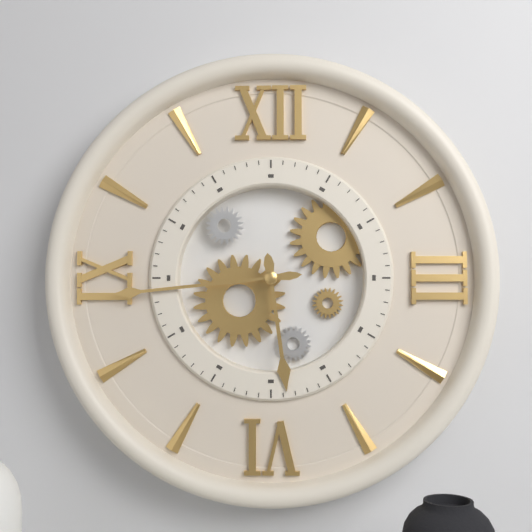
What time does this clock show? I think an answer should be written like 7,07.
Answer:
5,44
